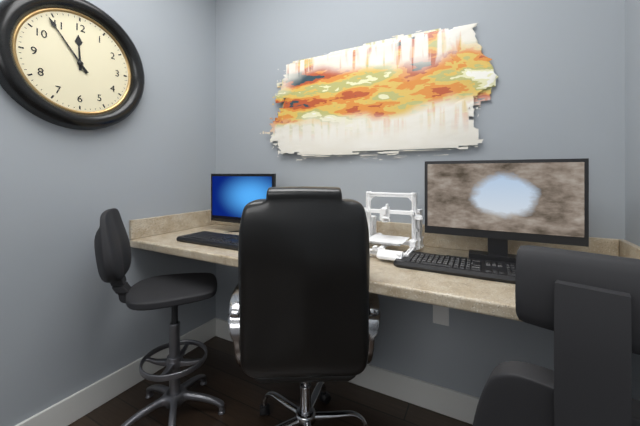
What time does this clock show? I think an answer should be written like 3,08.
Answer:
11,54
